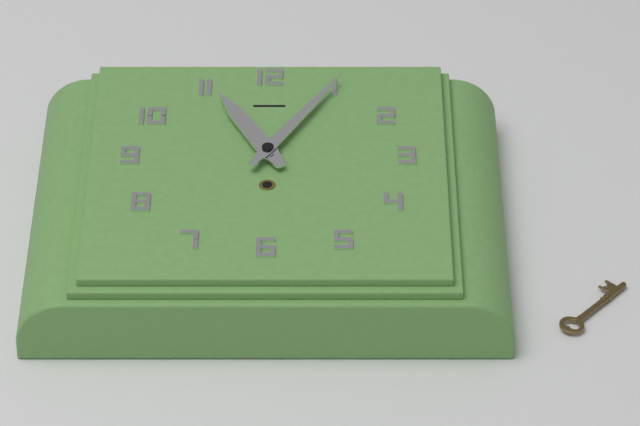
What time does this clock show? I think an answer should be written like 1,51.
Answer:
11,05
